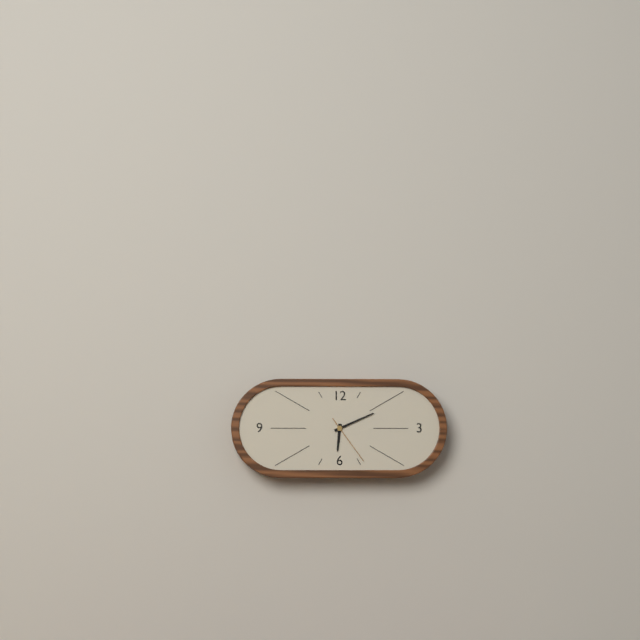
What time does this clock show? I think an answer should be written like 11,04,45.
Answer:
6,11,24
